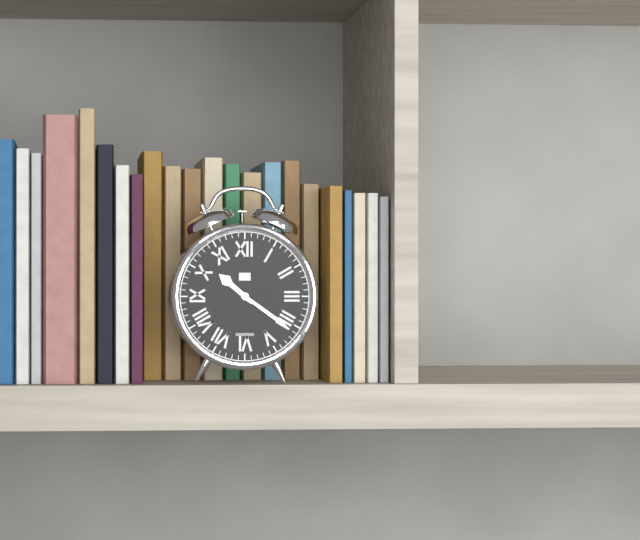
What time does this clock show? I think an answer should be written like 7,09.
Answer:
10,21
